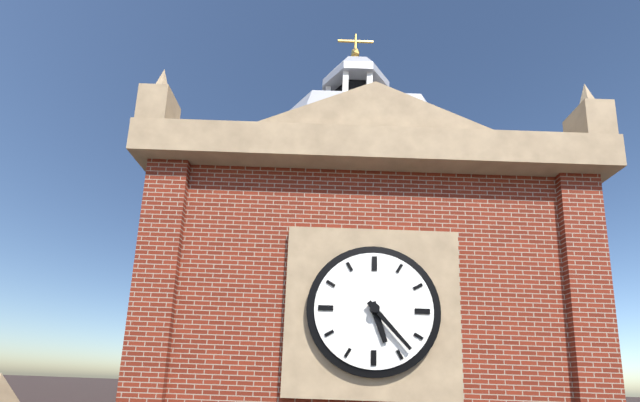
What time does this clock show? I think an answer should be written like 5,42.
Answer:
5,23
